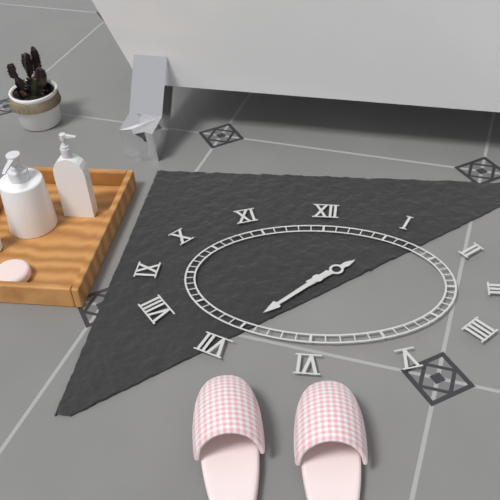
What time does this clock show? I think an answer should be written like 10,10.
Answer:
1,37
